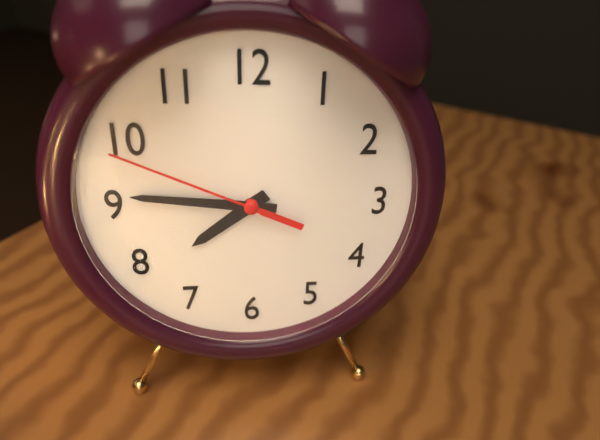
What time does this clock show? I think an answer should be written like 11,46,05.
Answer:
7,46,49
